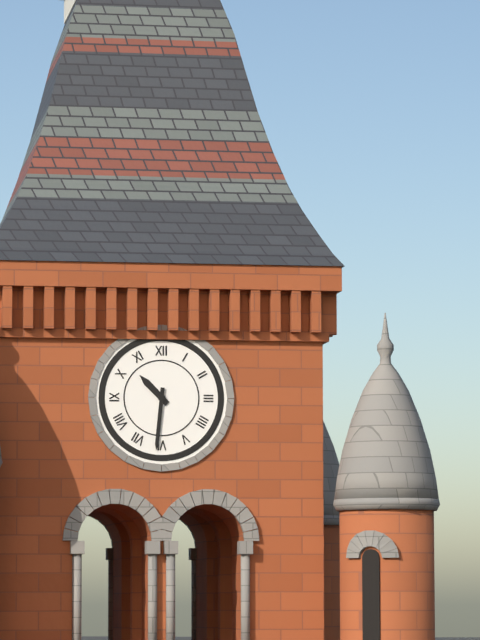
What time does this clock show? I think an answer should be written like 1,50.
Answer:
10,31
